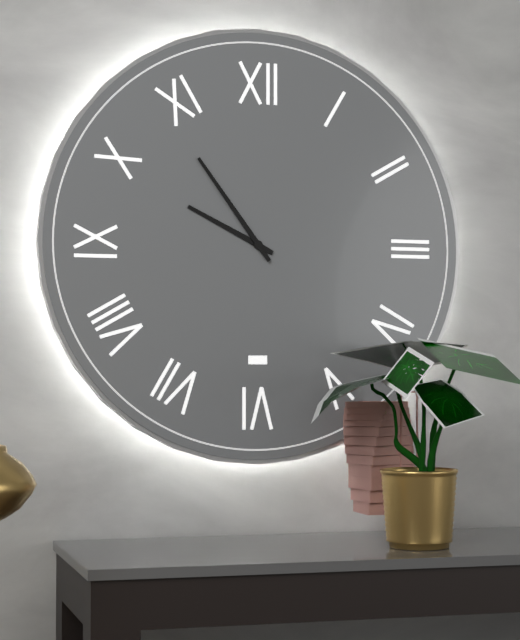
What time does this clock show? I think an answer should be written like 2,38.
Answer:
9,54
